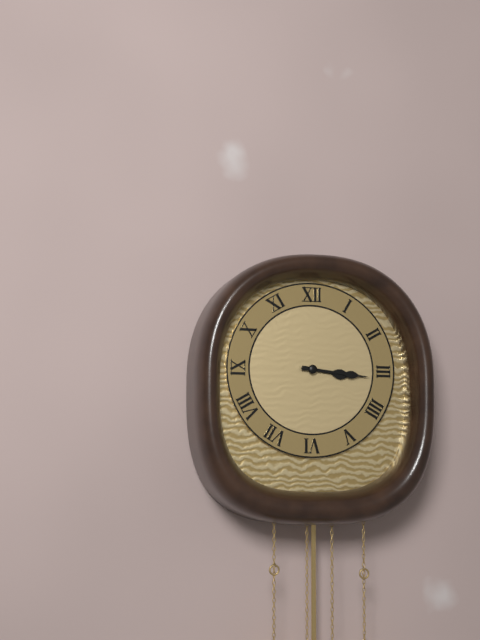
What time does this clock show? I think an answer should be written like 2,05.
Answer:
3,16
